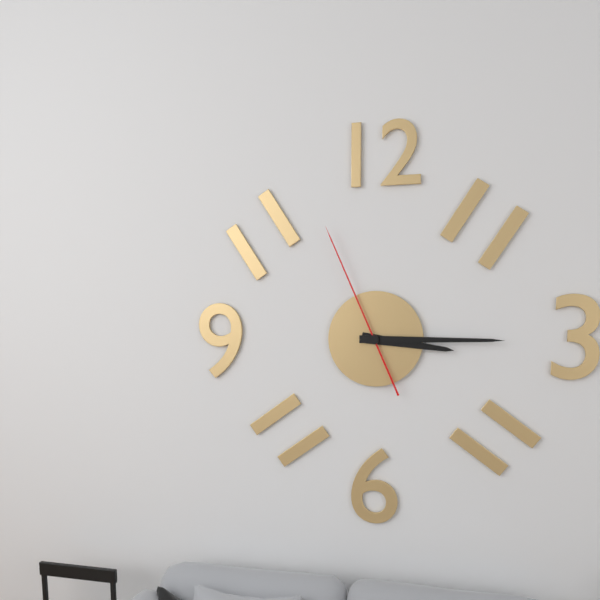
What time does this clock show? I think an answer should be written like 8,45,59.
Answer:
3,15,56
